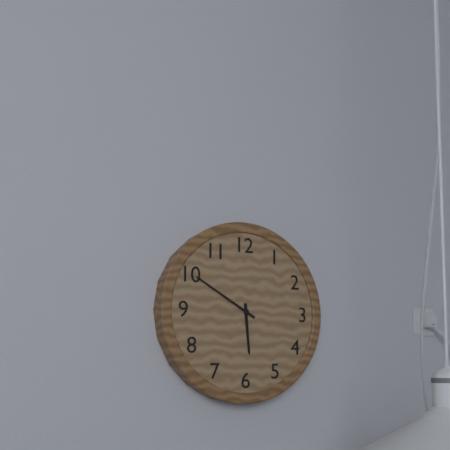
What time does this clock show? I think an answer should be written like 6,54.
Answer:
5,50
